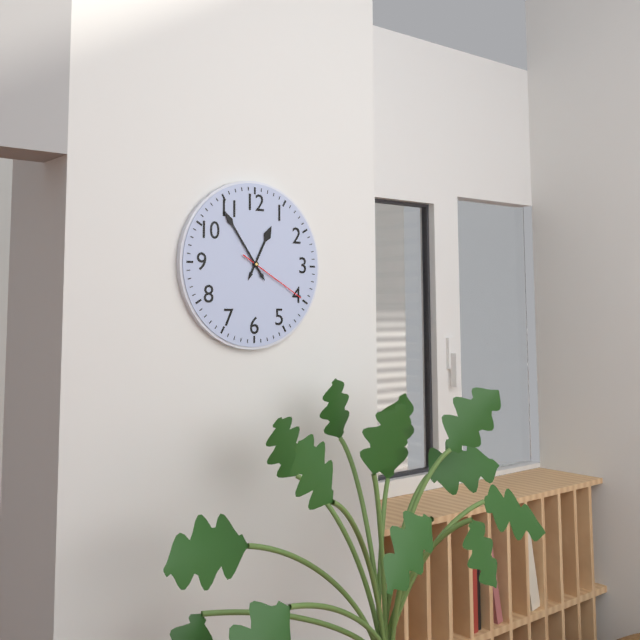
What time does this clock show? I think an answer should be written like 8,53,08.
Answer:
12,54,20
